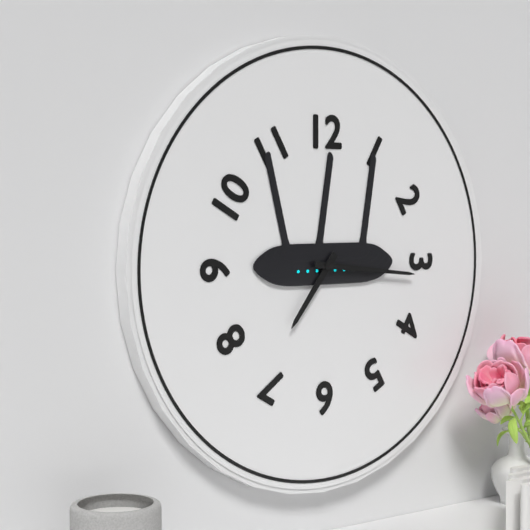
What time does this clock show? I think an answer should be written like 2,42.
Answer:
7,16
